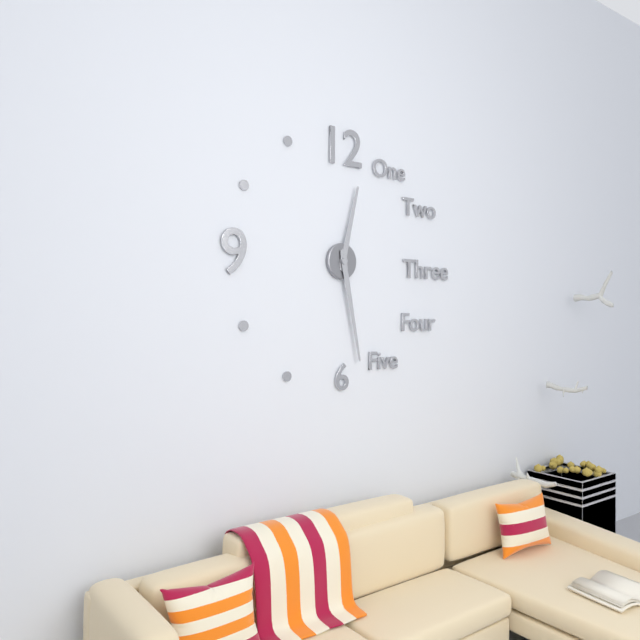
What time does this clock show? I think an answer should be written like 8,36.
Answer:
12,28
